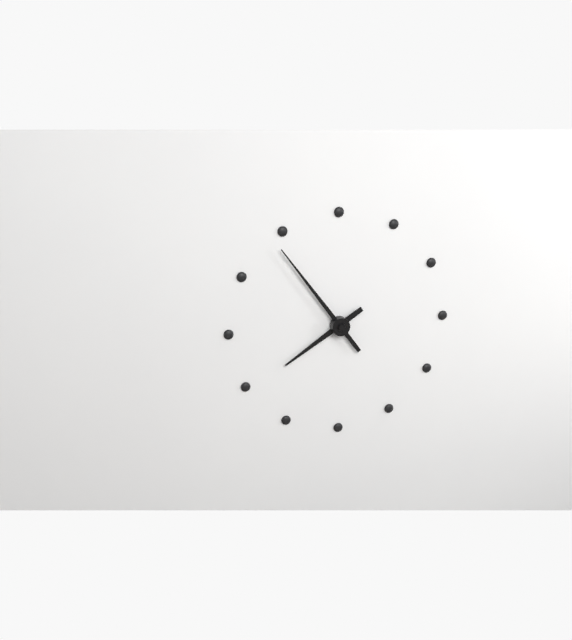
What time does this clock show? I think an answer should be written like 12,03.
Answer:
7,54
